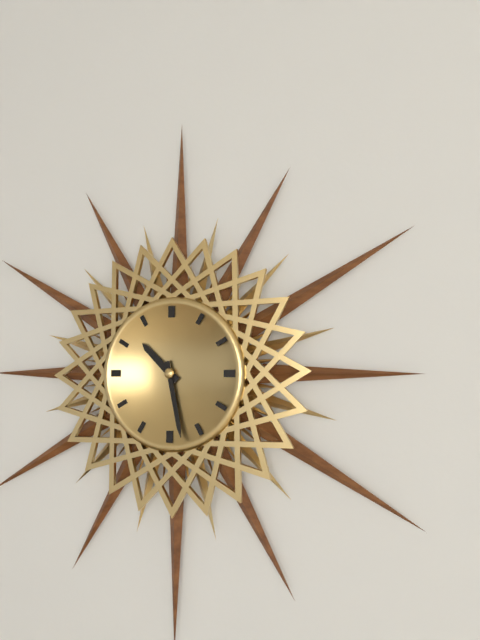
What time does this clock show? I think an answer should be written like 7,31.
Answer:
10,28
